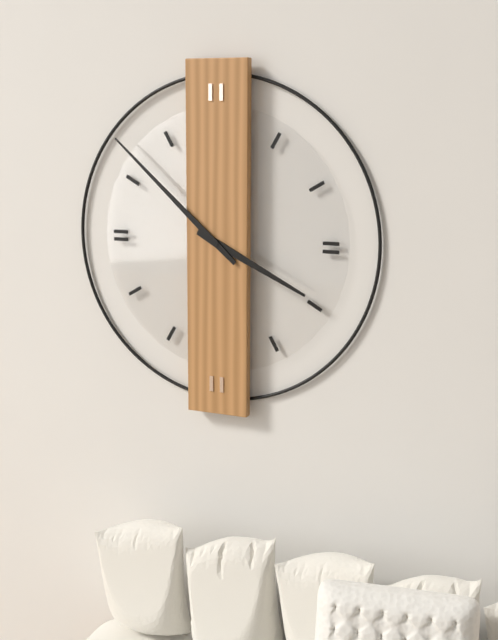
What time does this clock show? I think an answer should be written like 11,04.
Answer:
3,52
